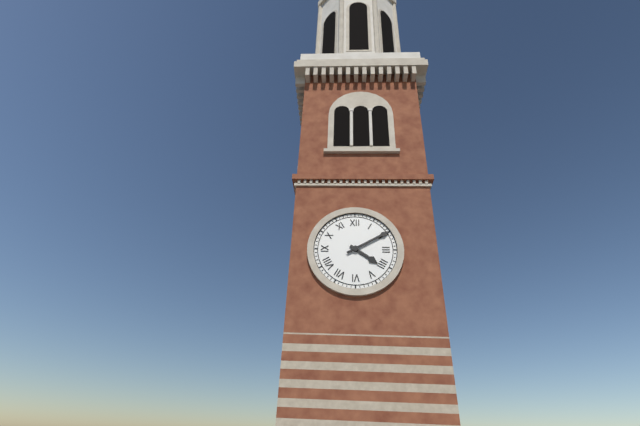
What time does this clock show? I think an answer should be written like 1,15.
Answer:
4,10
